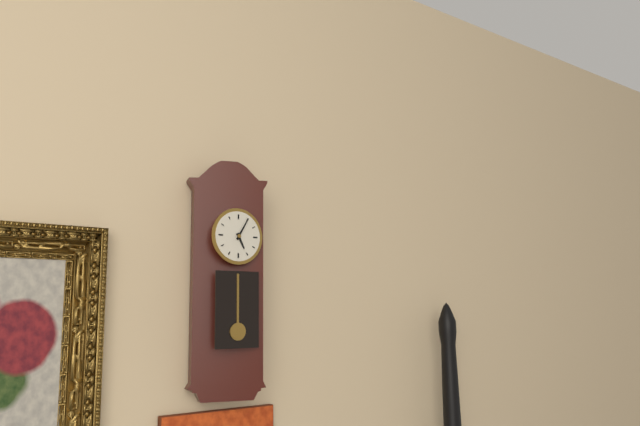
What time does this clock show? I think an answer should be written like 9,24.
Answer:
5,05
